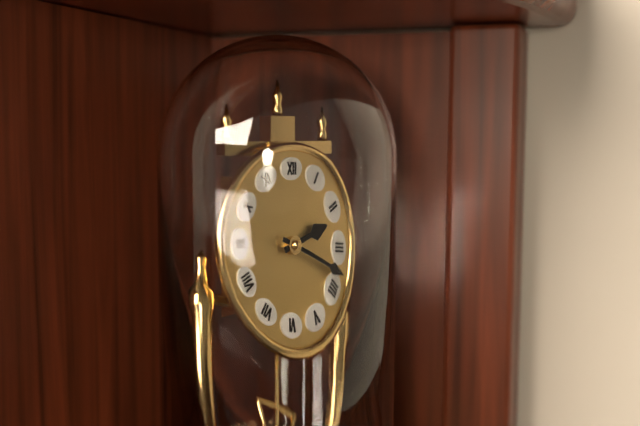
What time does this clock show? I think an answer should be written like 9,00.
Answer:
2,18
